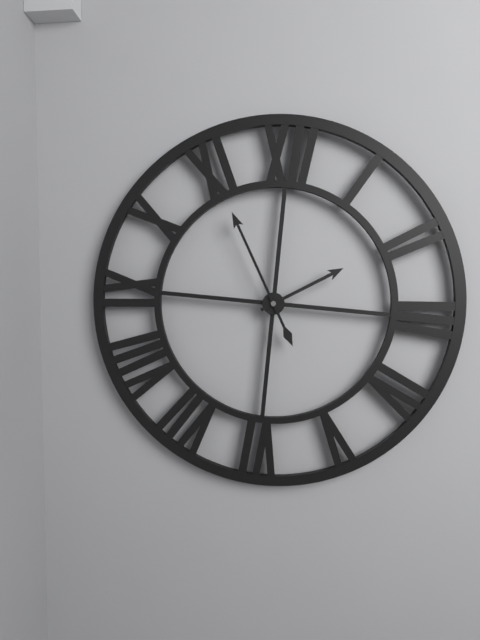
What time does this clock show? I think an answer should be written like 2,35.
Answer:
1,55
